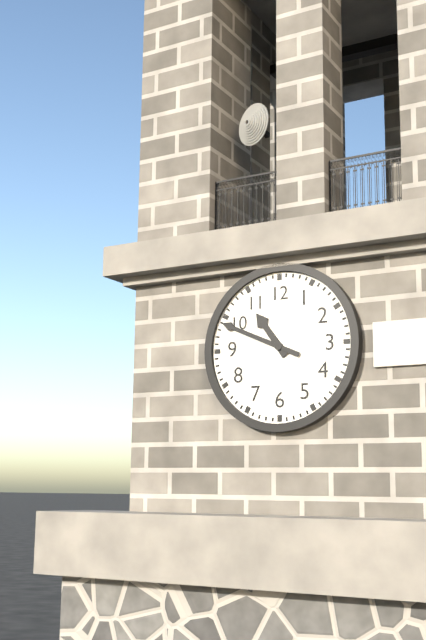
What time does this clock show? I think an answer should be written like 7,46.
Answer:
10,49
